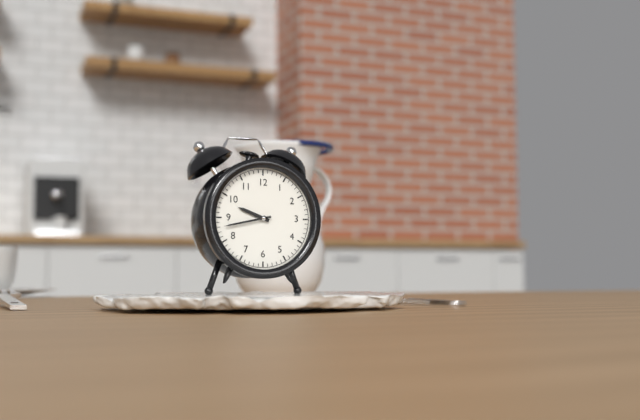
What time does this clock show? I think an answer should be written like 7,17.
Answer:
9,43
